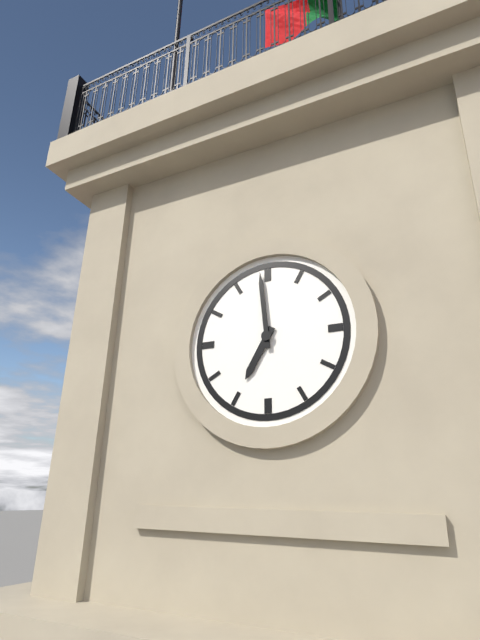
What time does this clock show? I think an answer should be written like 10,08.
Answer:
6,59
